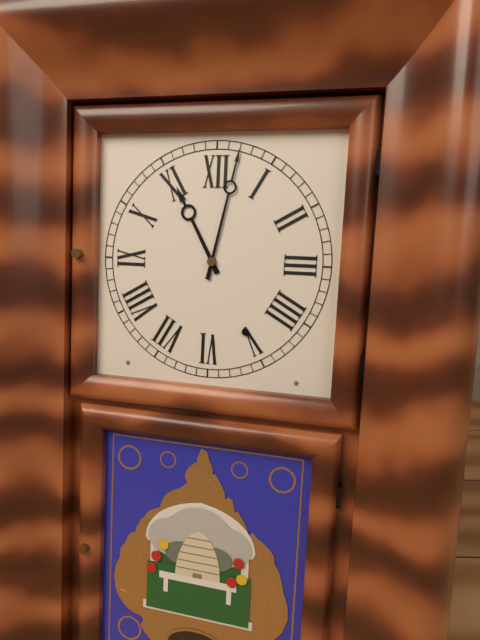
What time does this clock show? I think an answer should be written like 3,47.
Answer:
11,02
